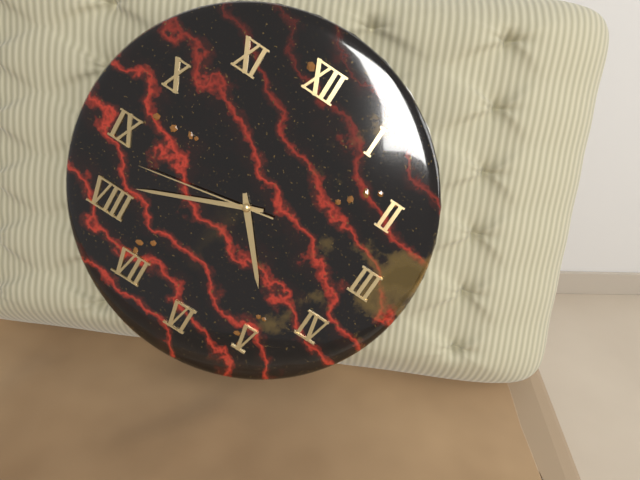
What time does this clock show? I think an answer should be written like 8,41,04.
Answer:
4,41,43
